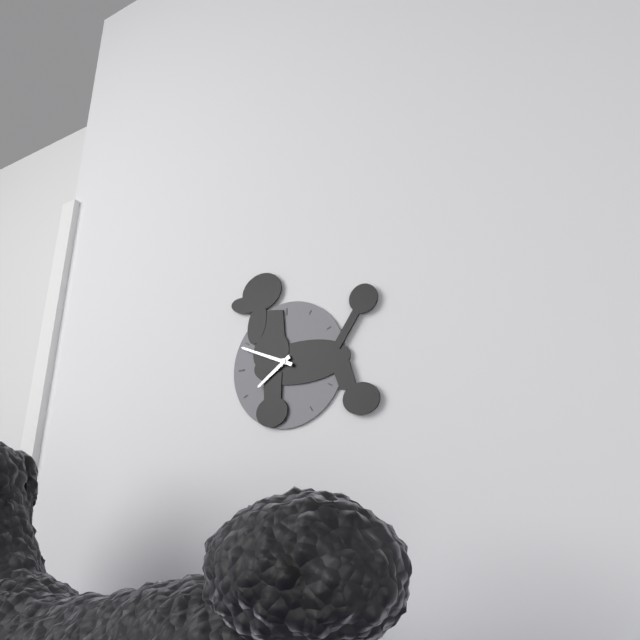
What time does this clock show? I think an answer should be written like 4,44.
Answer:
7,49
